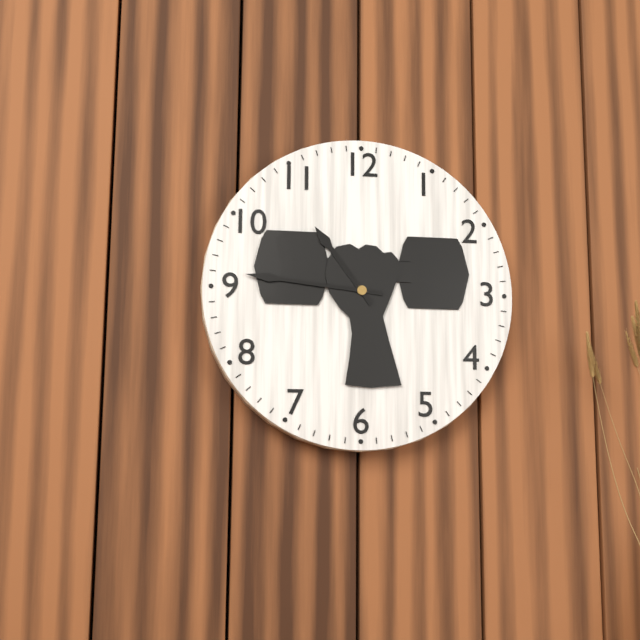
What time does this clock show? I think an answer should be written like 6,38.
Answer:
10,46
